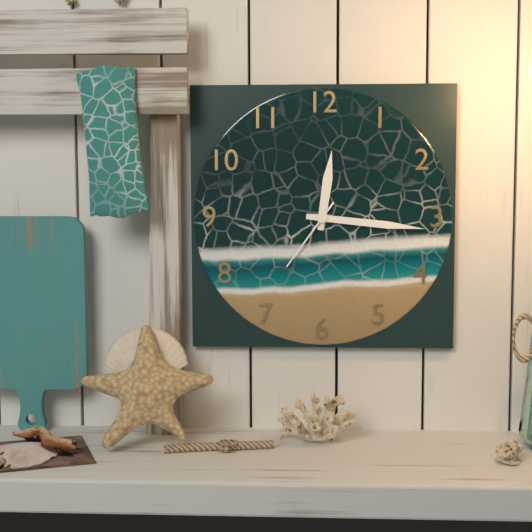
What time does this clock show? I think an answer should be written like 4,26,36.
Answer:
12,16,36
